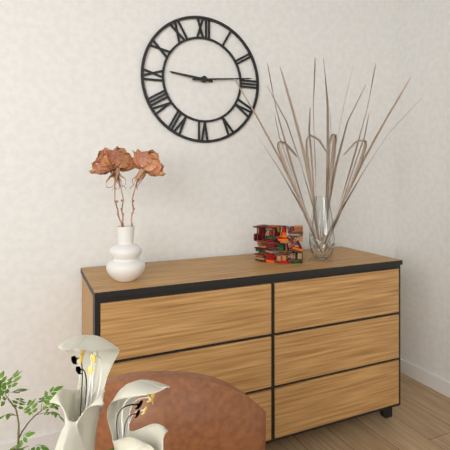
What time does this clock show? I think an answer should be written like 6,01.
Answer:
9,14
